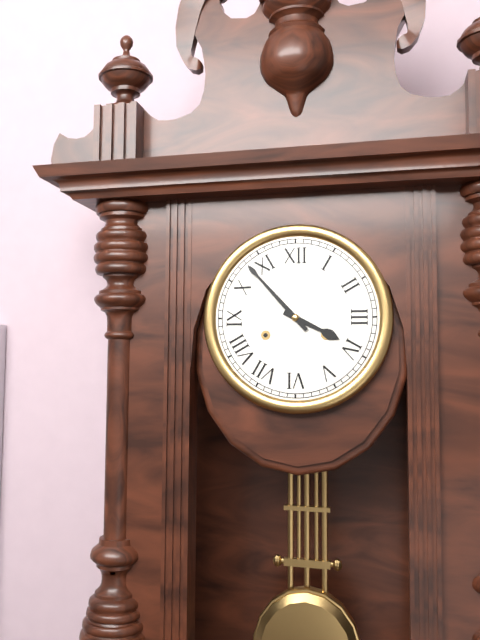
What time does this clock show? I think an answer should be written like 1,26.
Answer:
3,53
